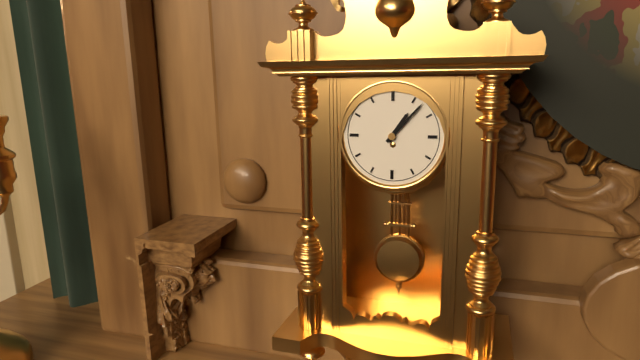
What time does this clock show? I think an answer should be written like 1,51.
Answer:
1,07
